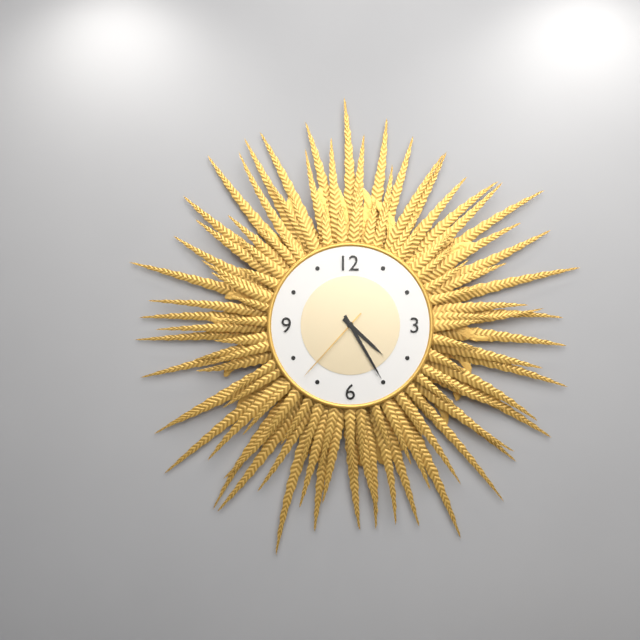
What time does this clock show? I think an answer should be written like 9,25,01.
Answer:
4,25,37
